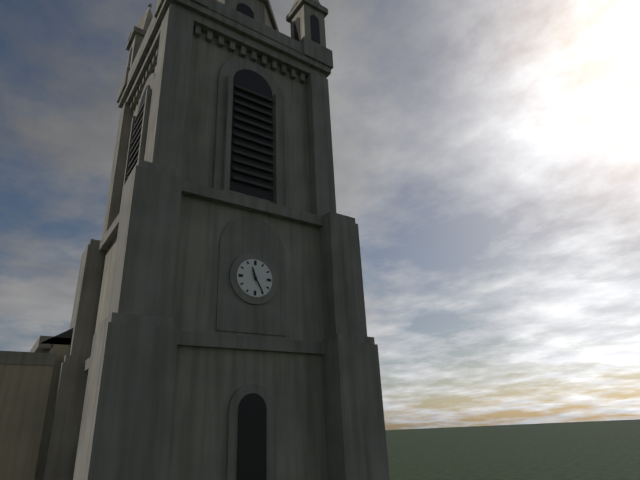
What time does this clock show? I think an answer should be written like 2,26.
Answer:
11,25
